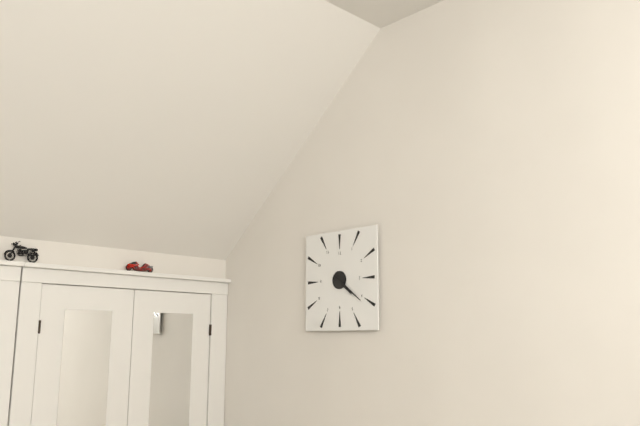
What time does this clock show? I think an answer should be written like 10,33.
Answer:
4,21
